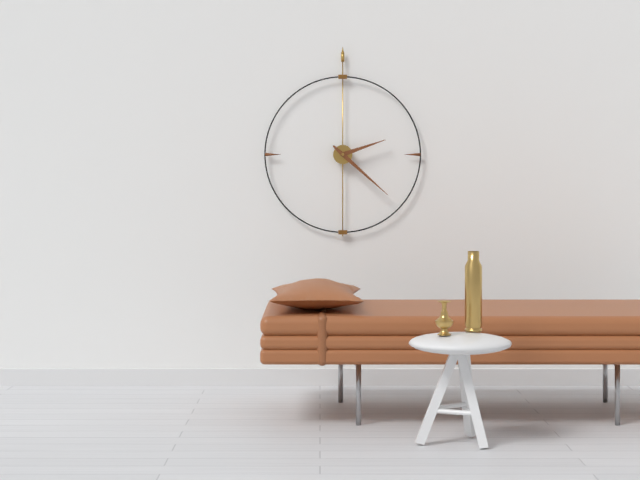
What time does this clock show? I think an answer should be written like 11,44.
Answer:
2,22
